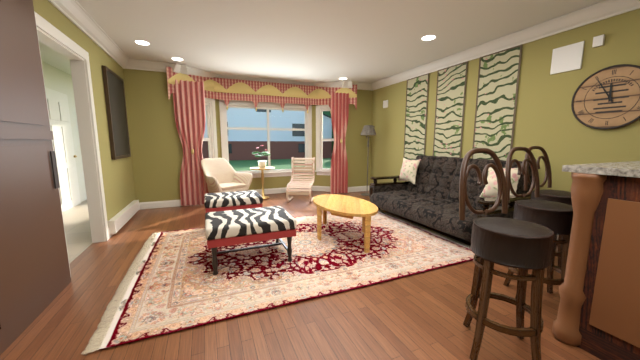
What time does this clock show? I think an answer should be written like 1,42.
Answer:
11,55
